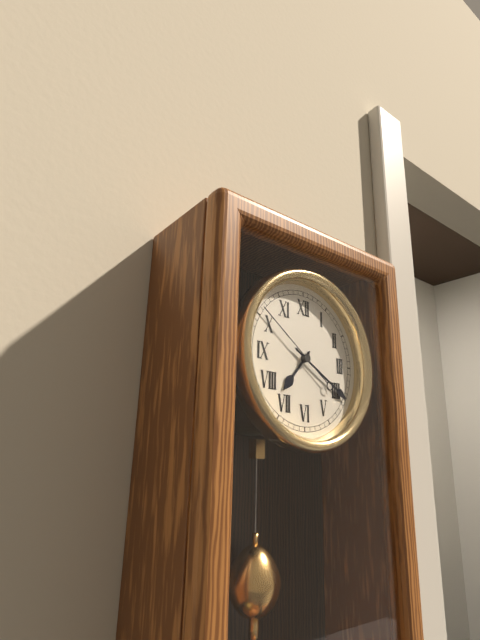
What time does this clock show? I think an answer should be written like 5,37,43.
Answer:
7,20,51
